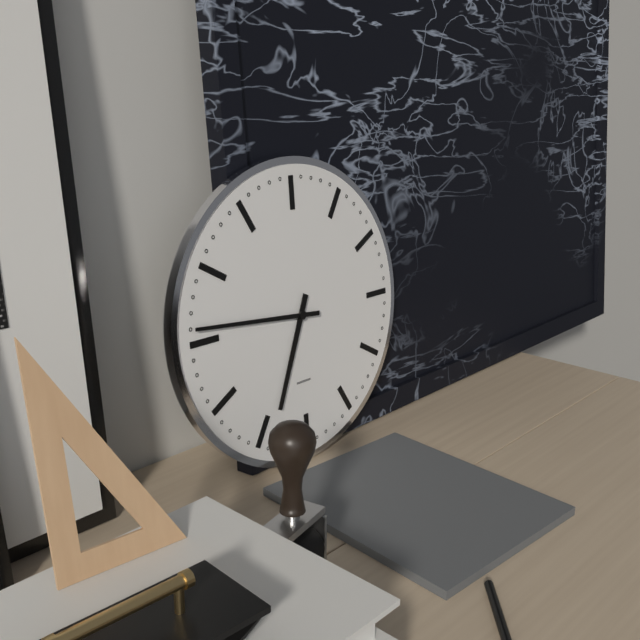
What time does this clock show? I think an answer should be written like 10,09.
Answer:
6,46
